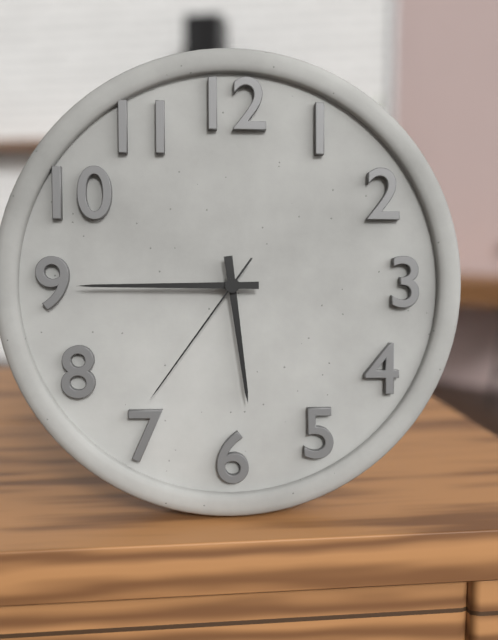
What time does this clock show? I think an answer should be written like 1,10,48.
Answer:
5,45,36
